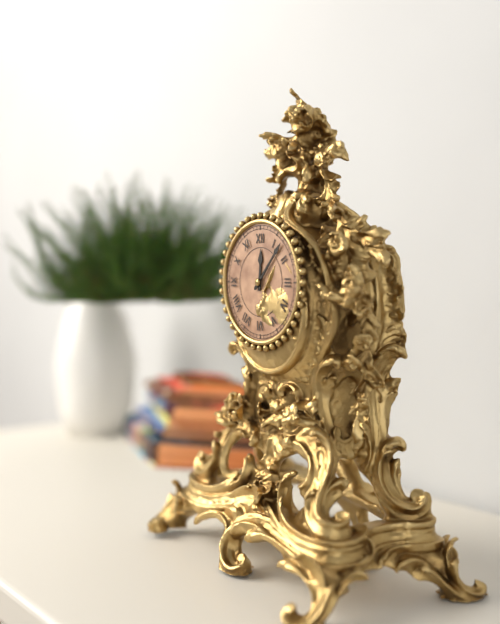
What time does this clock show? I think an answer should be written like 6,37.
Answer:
12,07
